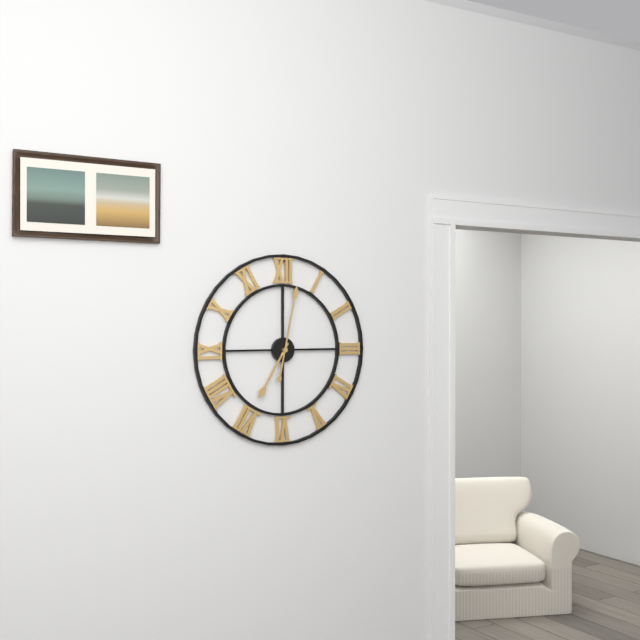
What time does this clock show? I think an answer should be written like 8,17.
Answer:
7,02
